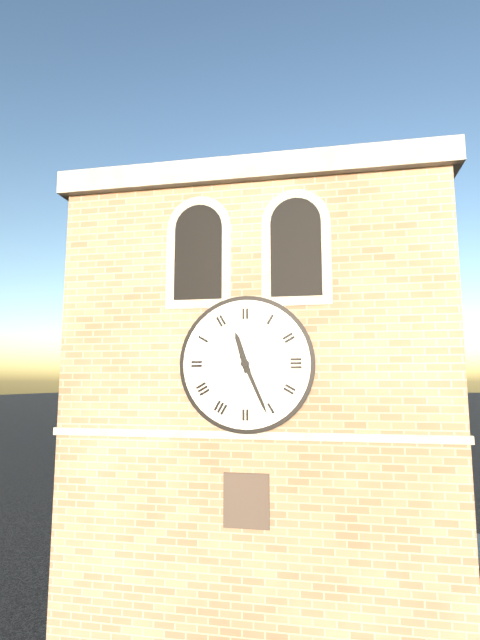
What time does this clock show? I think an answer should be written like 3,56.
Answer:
11,26
